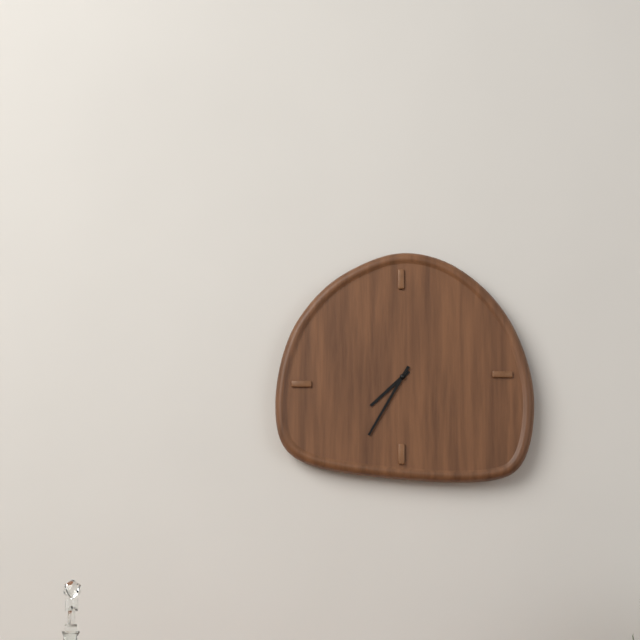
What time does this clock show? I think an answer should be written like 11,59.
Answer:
7,35
